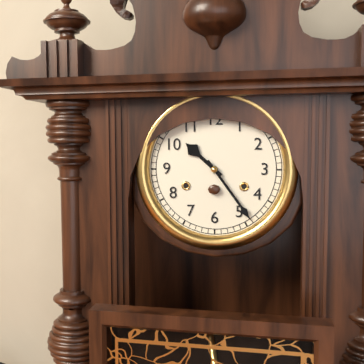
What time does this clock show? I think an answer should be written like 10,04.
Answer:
10,24
